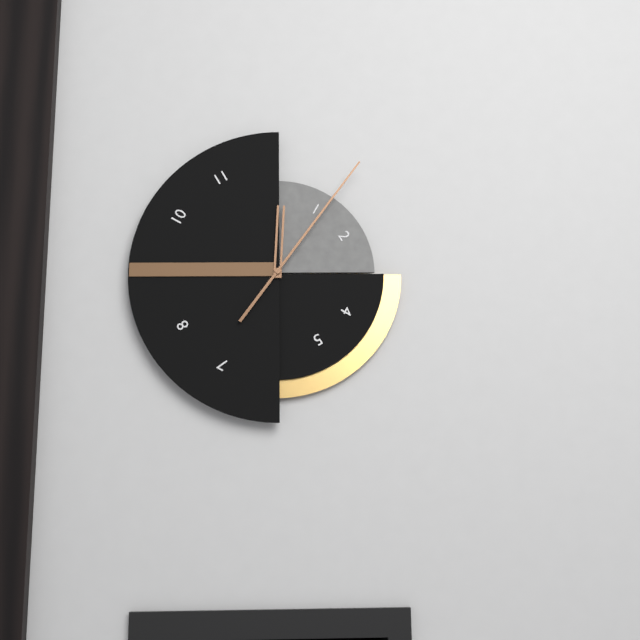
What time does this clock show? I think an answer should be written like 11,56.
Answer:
12,06
